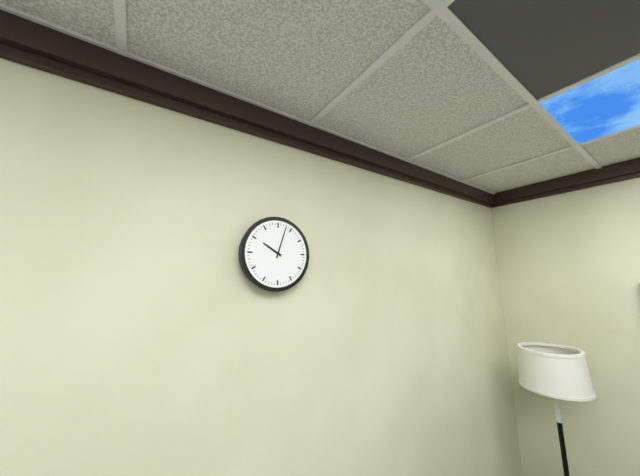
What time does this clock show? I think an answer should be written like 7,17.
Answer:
10,03
